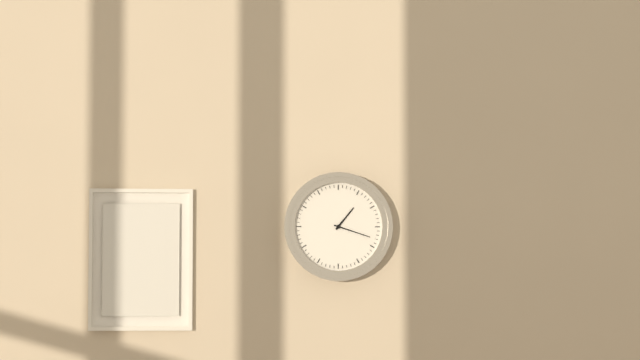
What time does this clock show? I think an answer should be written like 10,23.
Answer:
1,18
